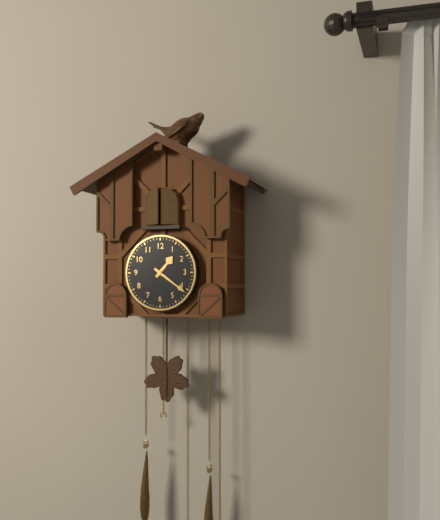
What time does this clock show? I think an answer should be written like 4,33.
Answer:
1,21
